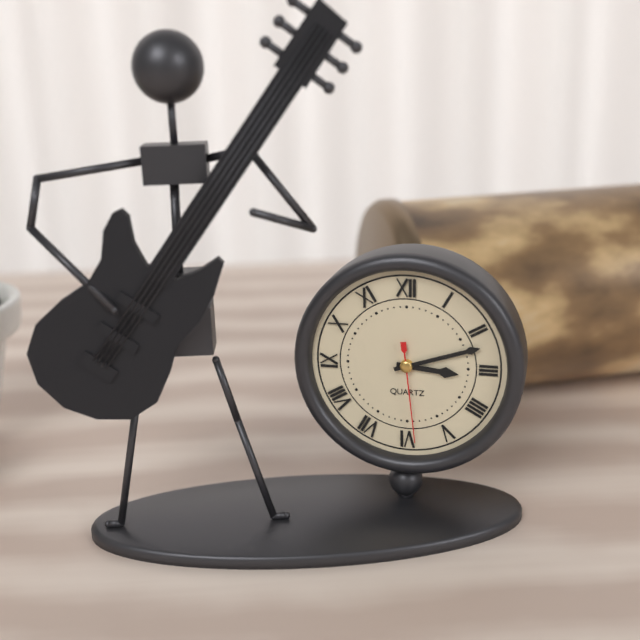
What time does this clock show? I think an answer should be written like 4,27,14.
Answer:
3,12,29
